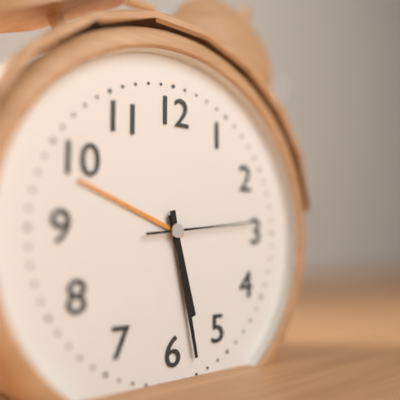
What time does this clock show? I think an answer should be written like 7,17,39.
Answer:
5,28,14
